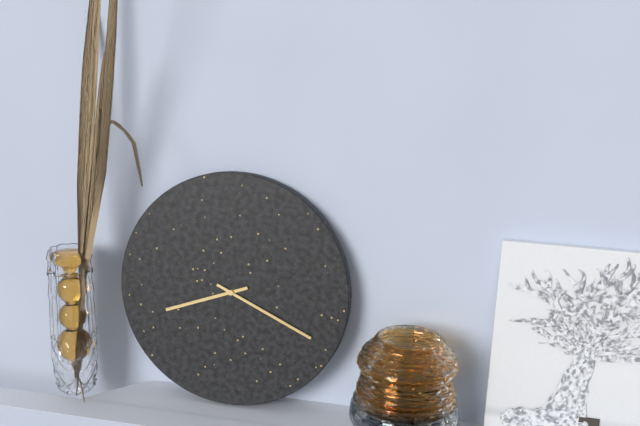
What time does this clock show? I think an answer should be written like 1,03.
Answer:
8,19
